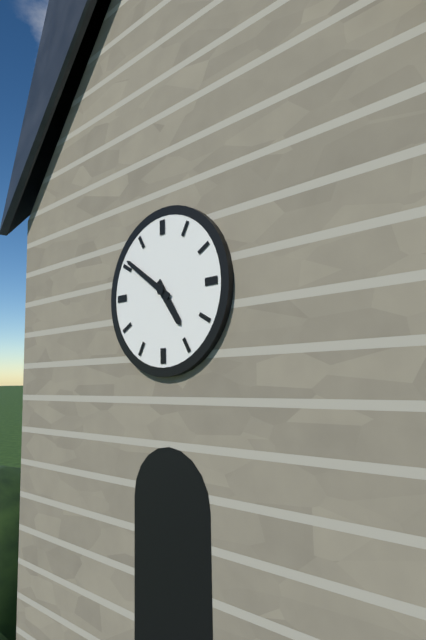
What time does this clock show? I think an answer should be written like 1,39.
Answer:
4,51
